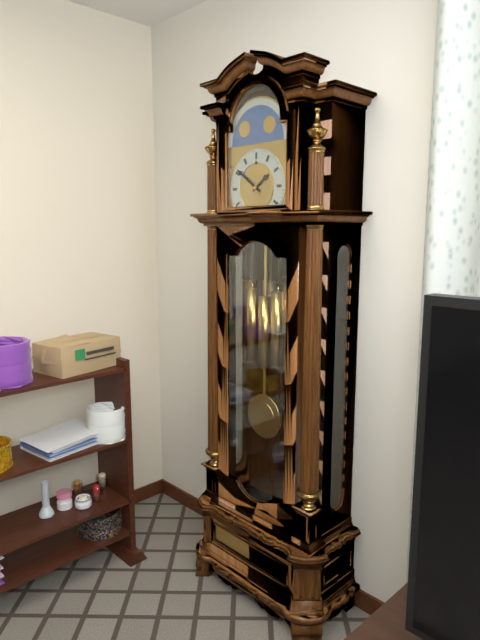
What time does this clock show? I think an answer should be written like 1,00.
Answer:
1,51
